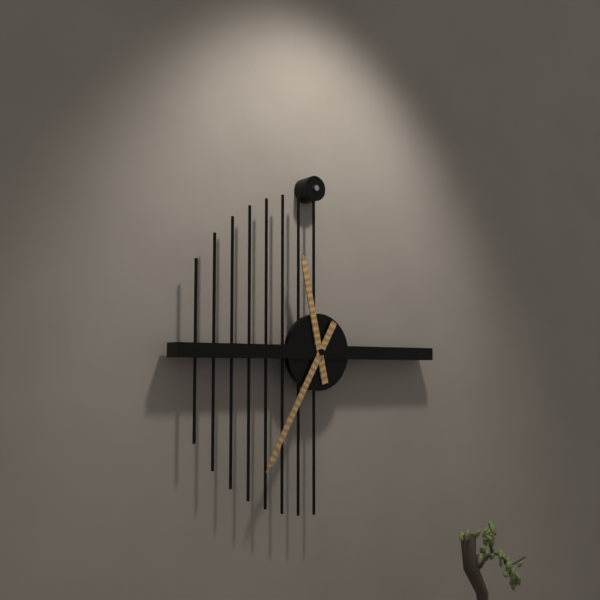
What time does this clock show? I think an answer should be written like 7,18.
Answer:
11,35
